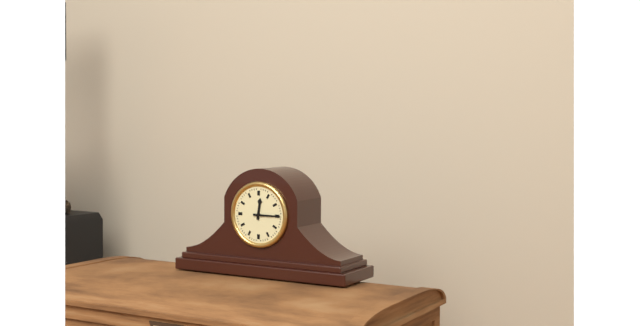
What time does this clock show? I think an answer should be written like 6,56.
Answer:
12,15
